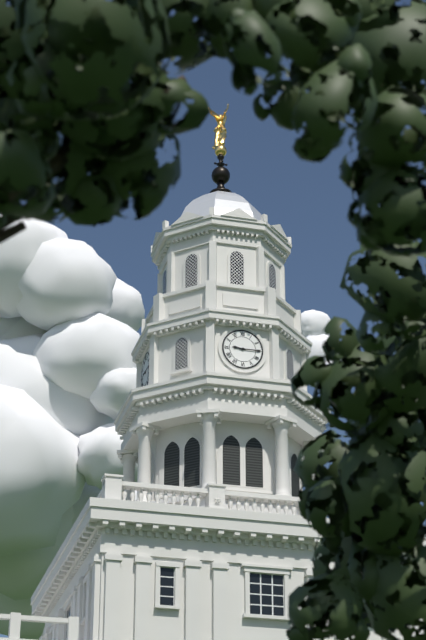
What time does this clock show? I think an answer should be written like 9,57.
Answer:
9,15
